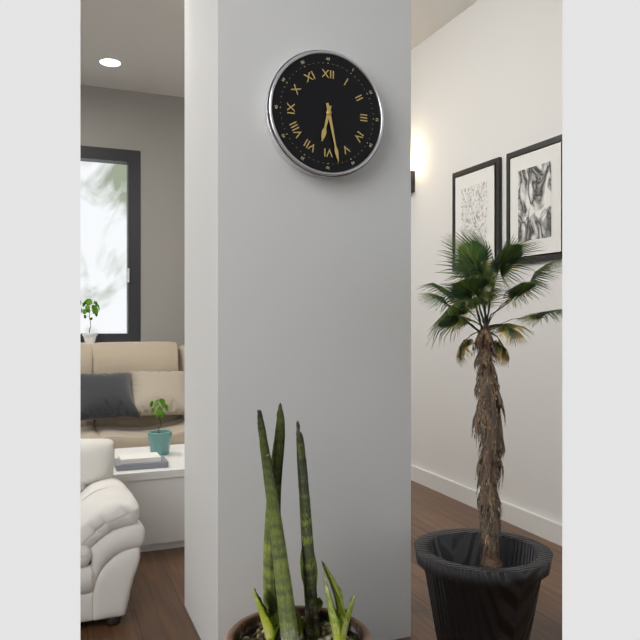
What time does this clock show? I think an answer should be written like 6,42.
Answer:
6,28
